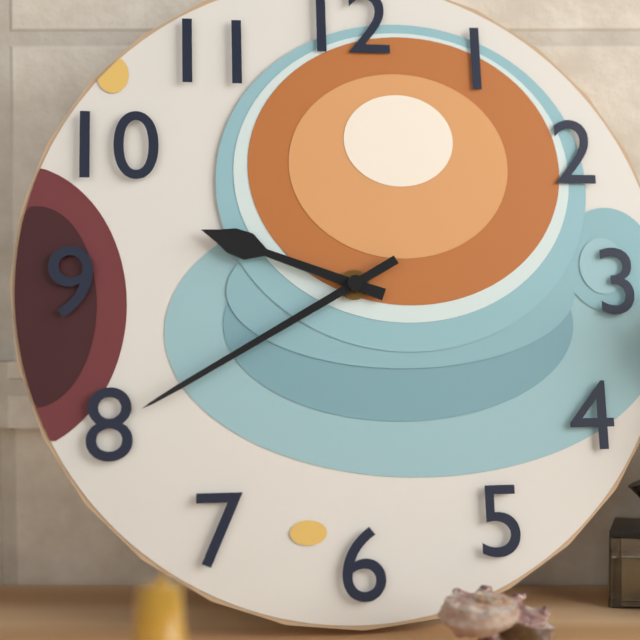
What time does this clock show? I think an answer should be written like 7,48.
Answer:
9,40
